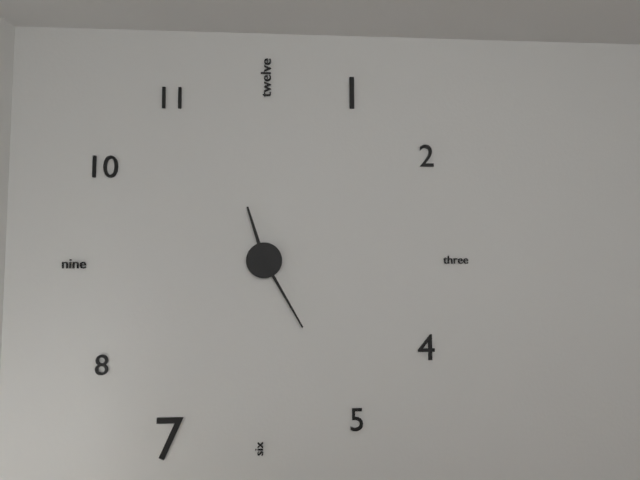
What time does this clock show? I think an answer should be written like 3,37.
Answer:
11,25
